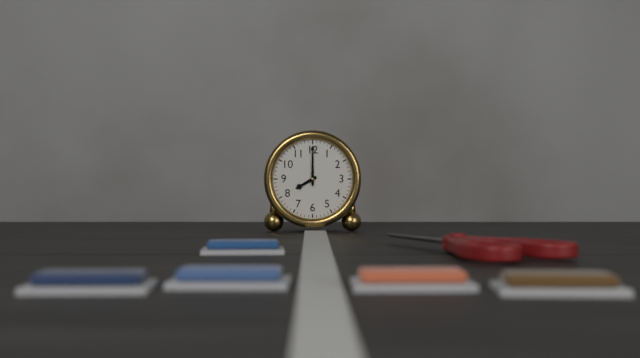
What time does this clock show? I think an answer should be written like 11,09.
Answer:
8,00
